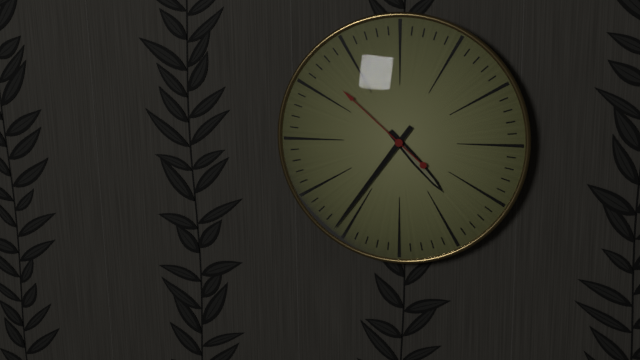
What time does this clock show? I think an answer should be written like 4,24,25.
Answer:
4,36,52
